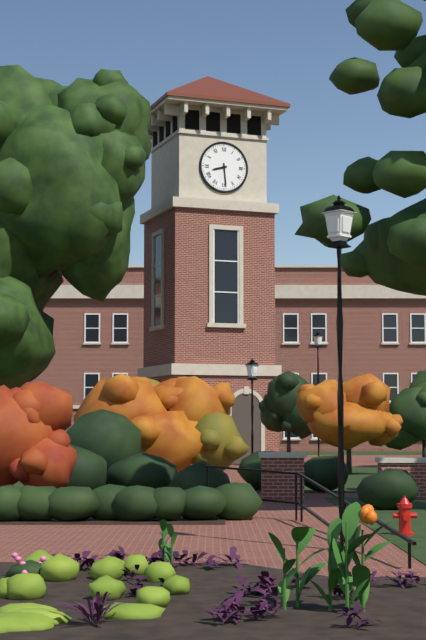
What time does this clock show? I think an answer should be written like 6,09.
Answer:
8,29
